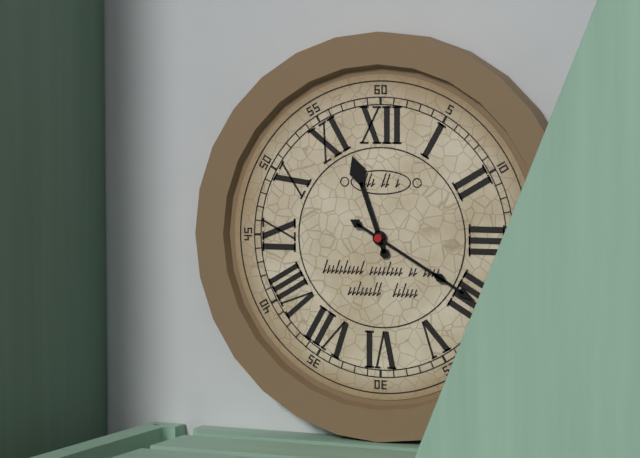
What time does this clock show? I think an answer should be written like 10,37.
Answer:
11,20
